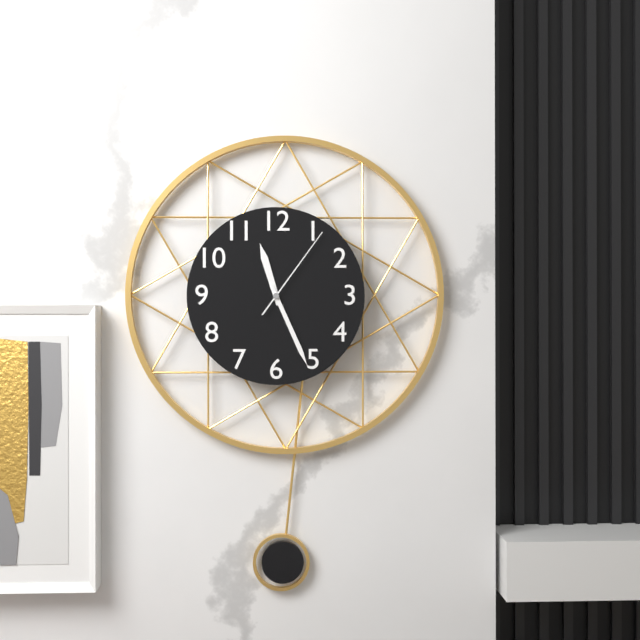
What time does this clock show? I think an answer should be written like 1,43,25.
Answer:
11,26,06
